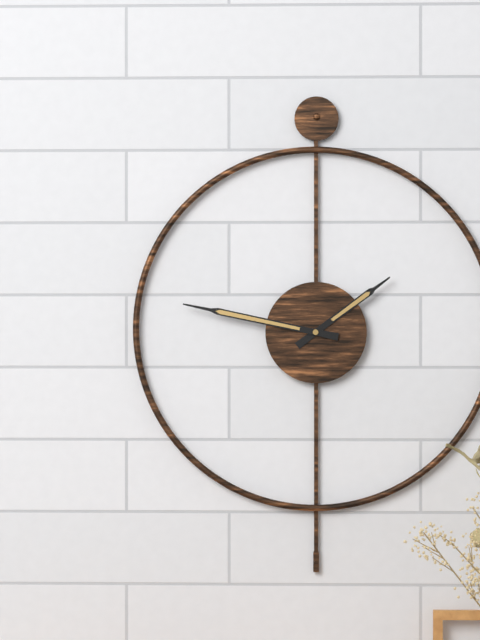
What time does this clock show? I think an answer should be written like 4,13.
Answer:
1,47
